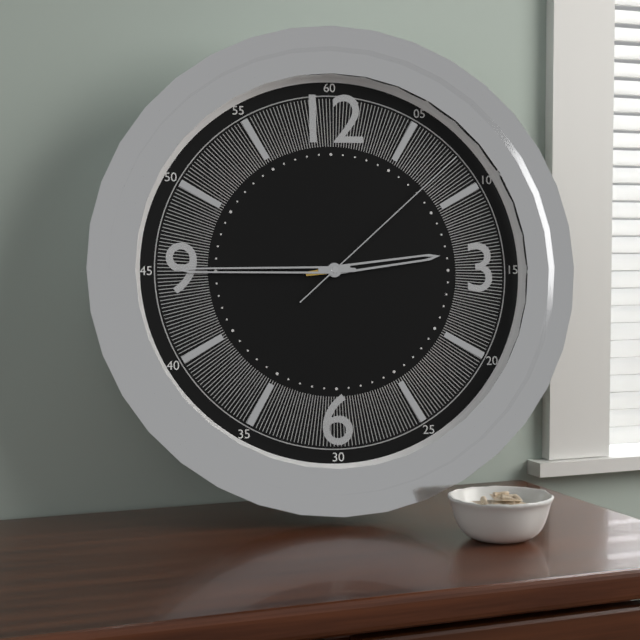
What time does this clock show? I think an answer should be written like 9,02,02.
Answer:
2,45,08
